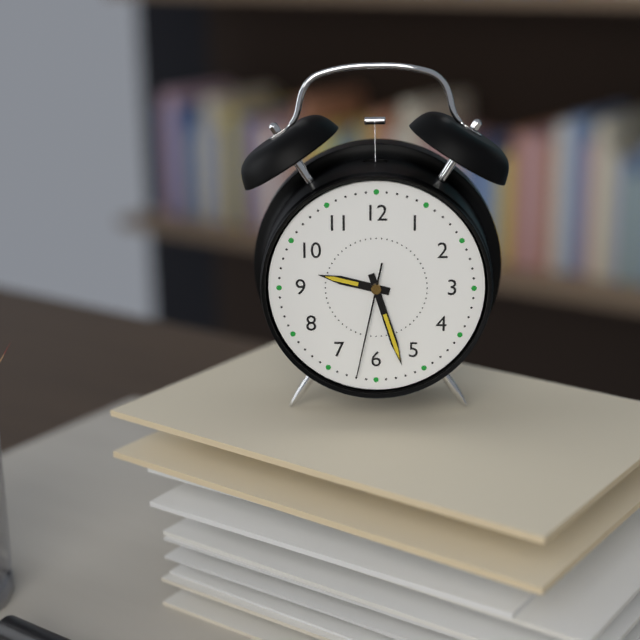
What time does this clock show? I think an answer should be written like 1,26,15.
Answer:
9,27,32
